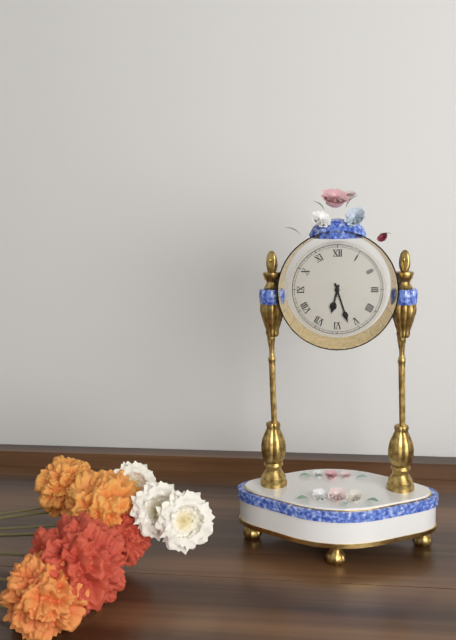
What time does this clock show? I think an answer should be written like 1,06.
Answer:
6,27
